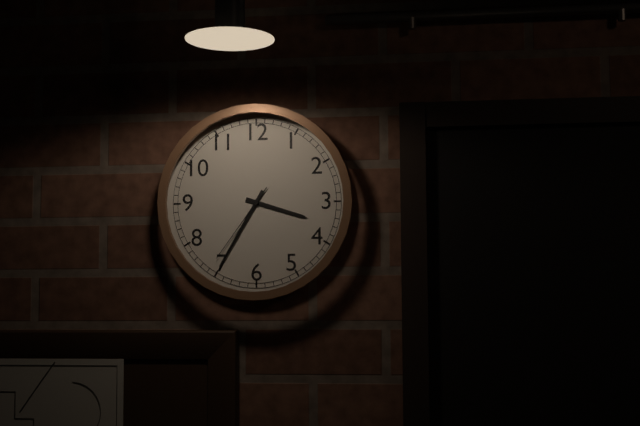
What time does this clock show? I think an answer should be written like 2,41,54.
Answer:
3,35,36
